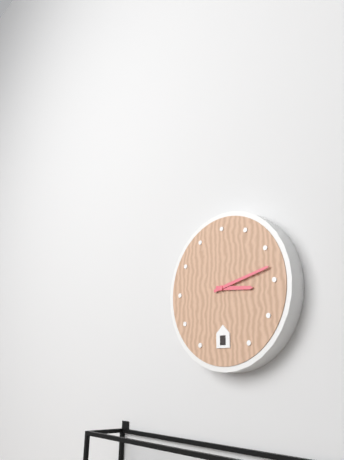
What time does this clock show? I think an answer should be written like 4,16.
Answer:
3,13
